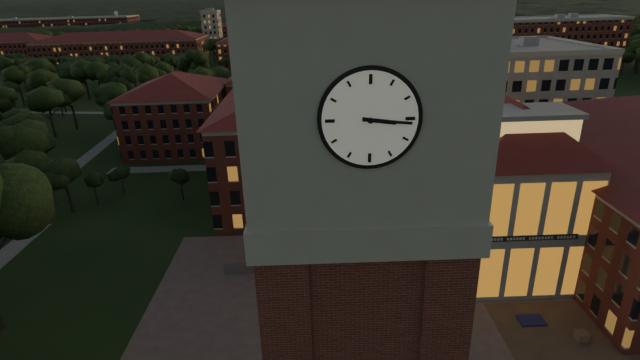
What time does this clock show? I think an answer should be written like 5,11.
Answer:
3,16
